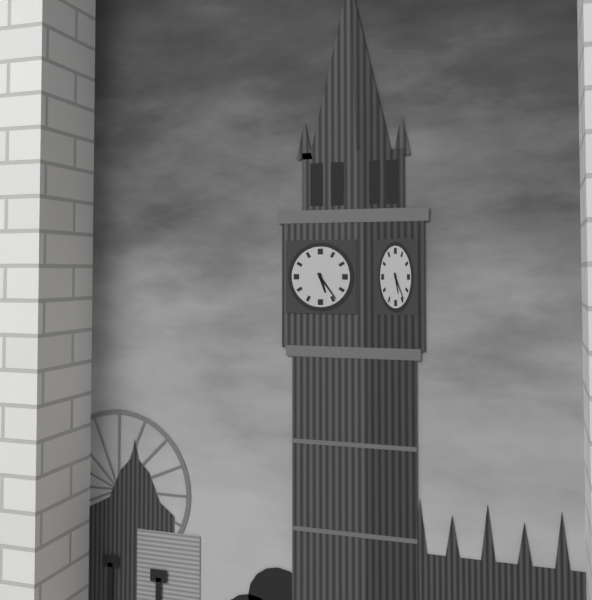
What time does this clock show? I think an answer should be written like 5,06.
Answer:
5,24
